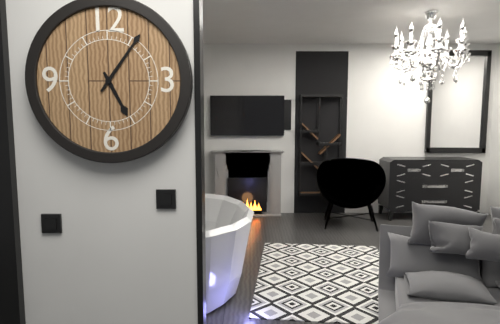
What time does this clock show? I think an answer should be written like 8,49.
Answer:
5,06
